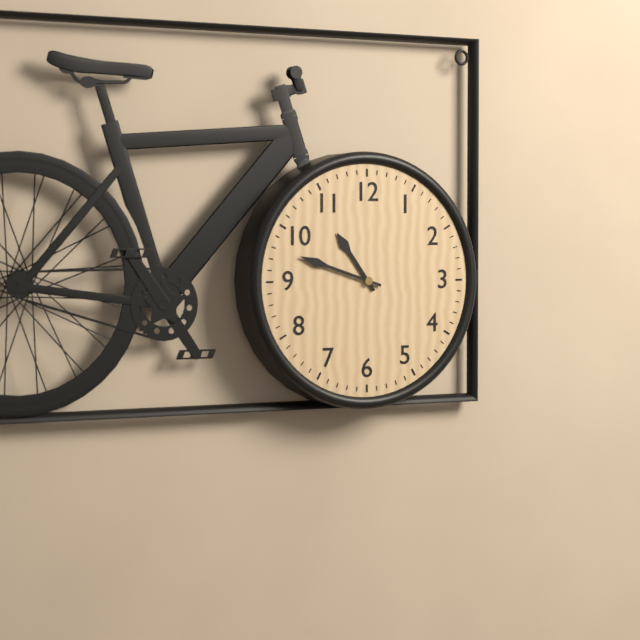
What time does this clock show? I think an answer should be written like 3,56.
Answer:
10,48
